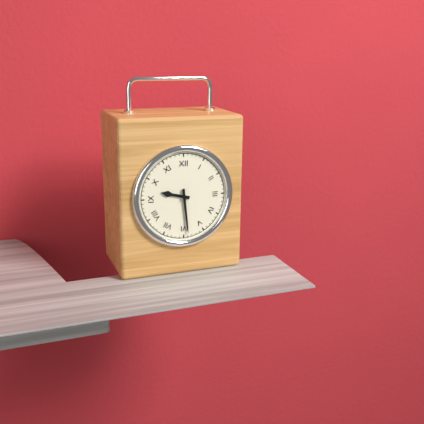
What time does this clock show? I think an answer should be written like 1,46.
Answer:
9,29
